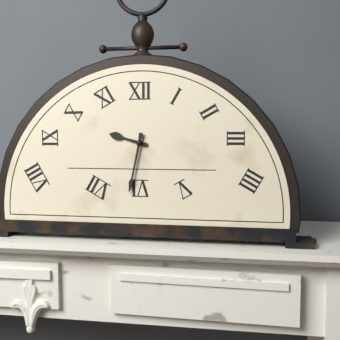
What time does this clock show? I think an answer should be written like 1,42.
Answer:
9,32
